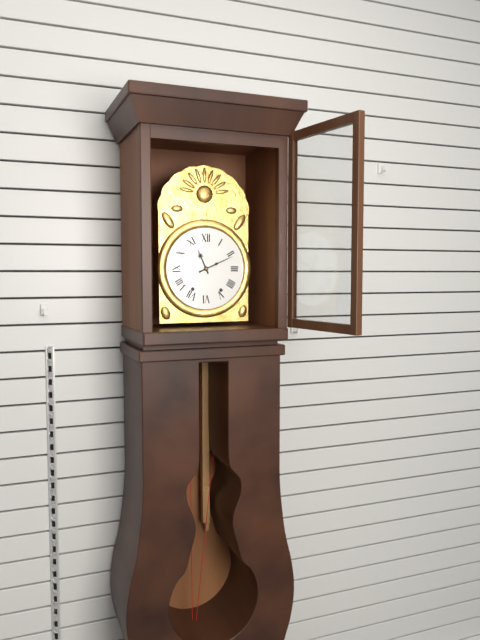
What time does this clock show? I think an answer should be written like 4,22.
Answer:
11,11
